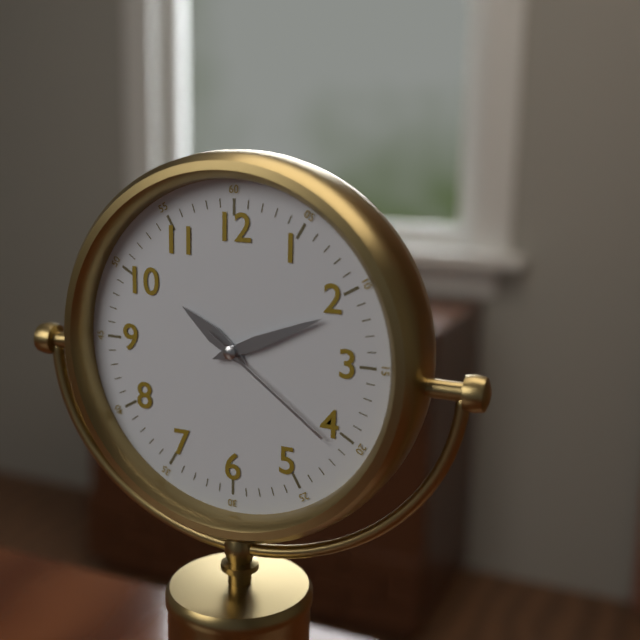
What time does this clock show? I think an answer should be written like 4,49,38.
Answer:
10,11,21
